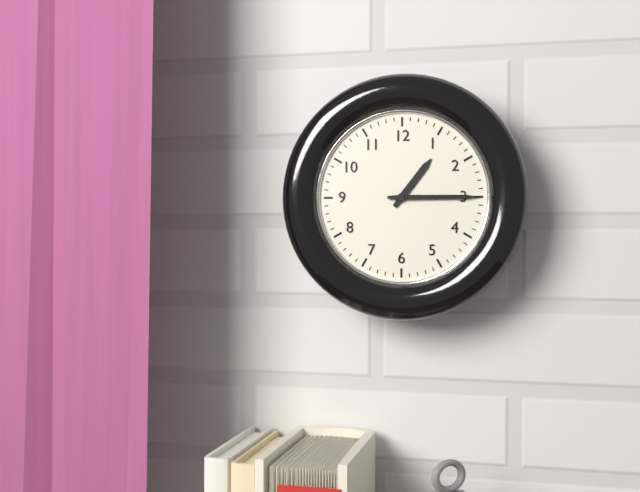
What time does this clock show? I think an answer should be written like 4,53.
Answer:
1,15
